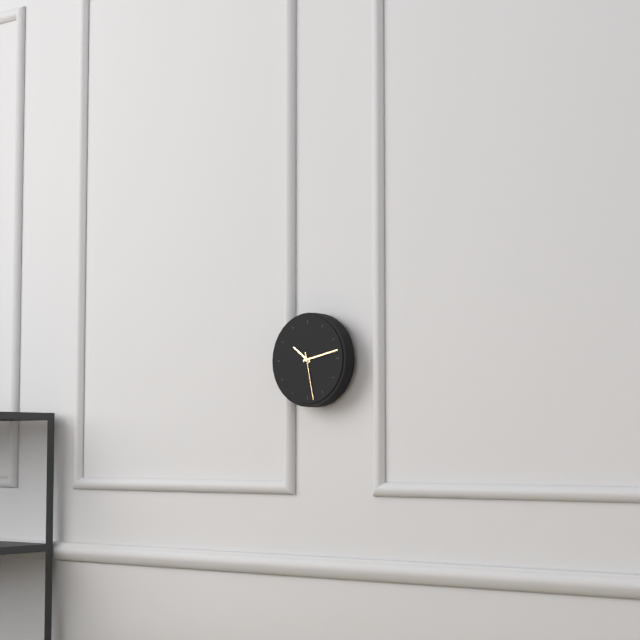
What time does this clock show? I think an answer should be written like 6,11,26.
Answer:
10,13,28
